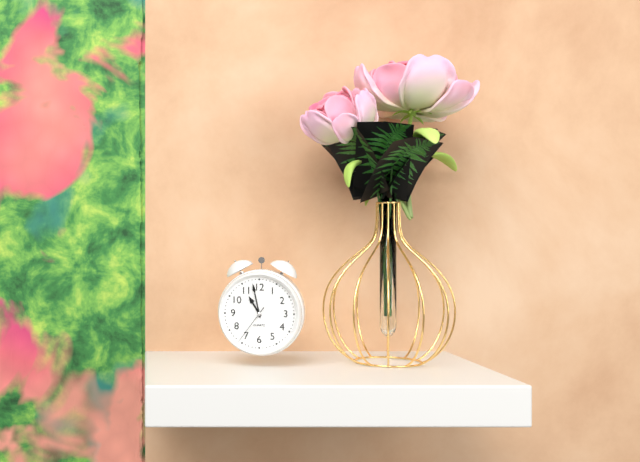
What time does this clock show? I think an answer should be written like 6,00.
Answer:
10,58
